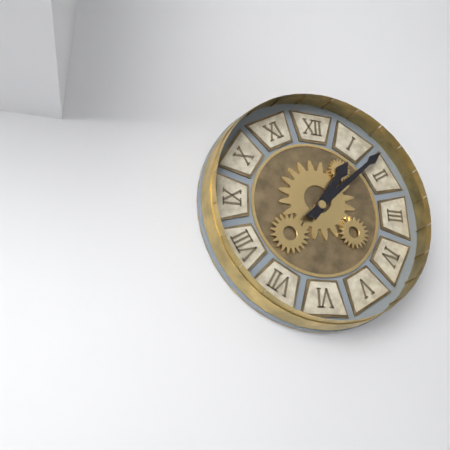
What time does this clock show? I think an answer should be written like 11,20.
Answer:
1,08
